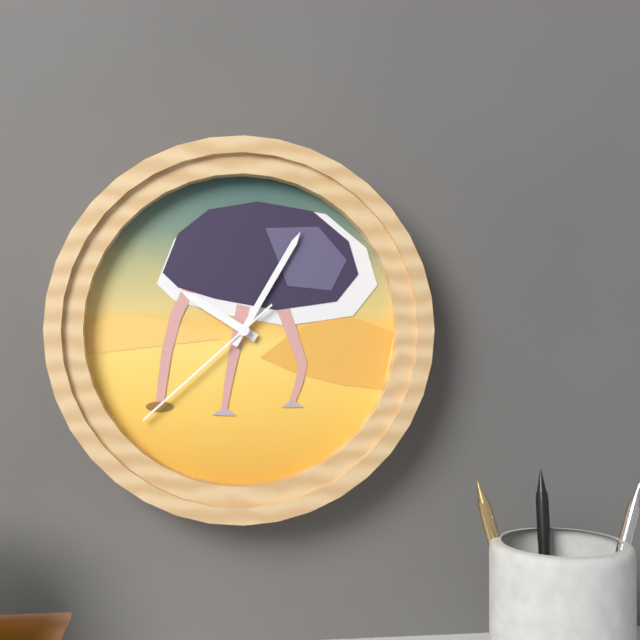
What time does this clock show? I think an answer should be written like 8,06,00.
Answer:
10,05,38
